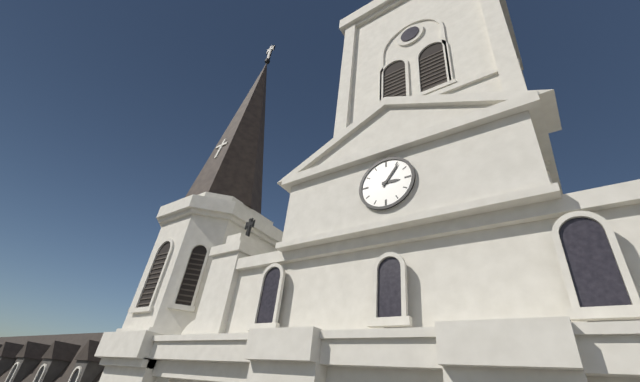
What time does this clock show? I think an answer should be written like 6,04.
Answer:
3,06
